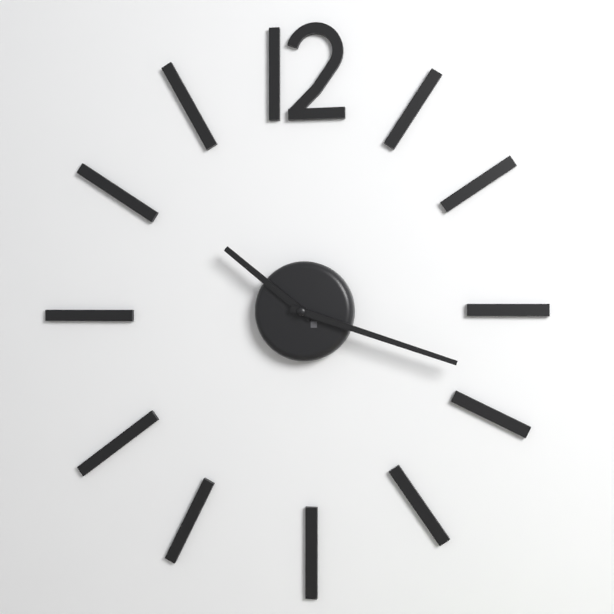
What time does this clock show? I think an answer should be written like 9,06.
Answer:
10,18
